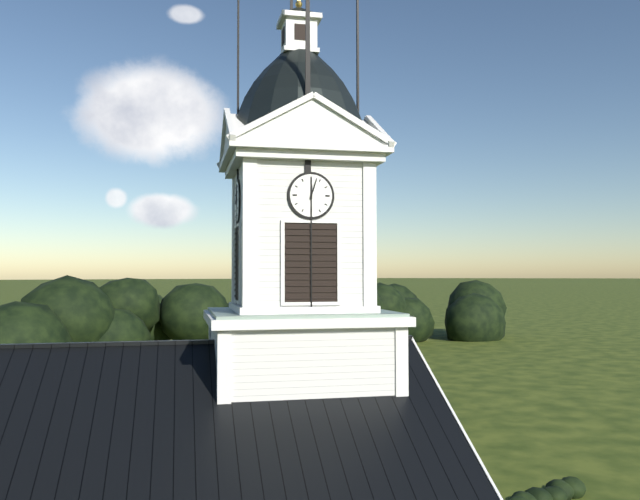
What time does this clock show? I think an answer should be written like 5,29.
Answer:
12,03
